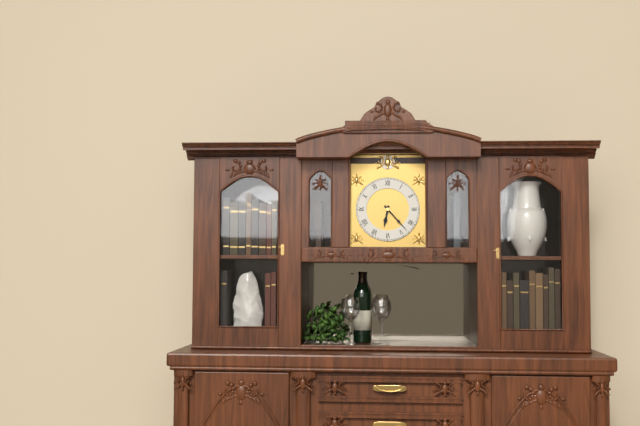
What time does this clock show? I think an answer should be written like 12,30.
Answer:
6,23
